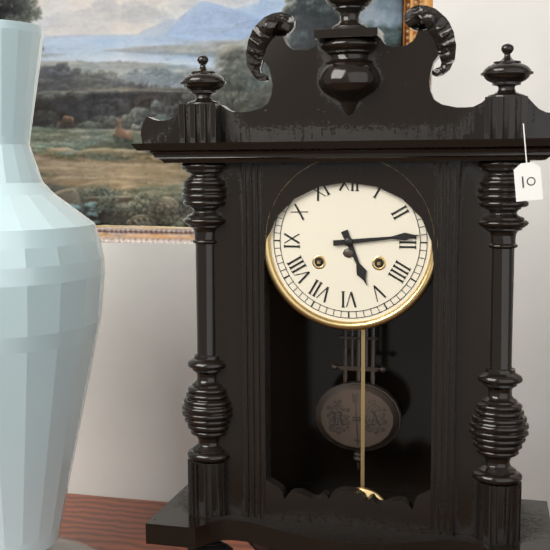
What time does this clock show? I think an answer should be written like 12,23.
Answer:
5,14
